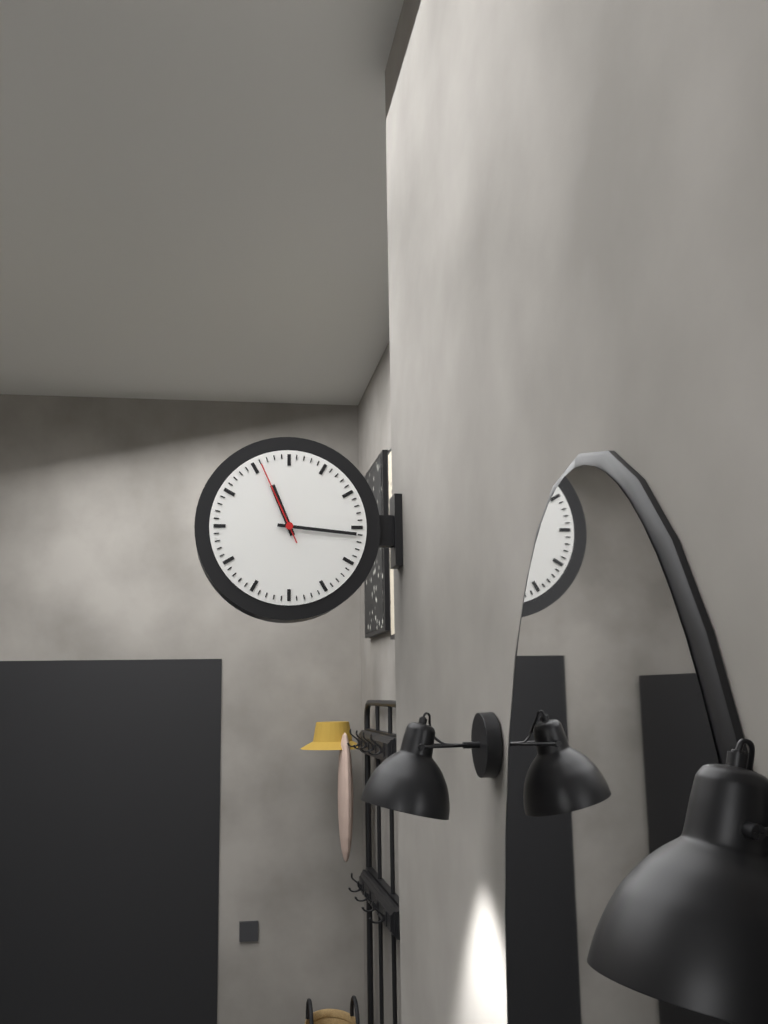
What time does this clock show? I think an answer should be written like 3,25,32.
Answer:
11,16,56
